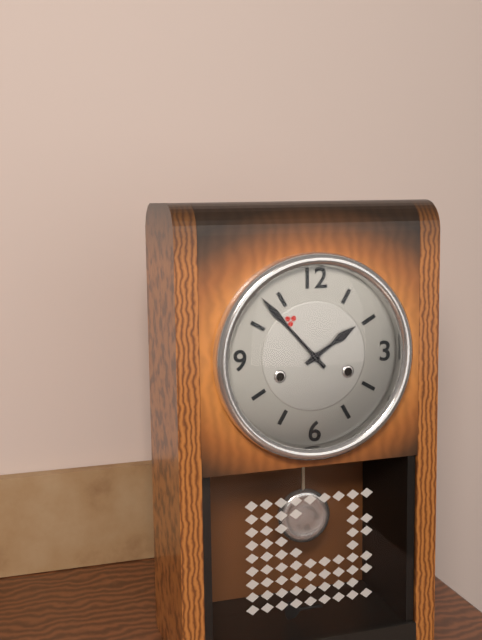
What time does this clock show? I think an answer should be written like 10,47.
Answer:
1,53
